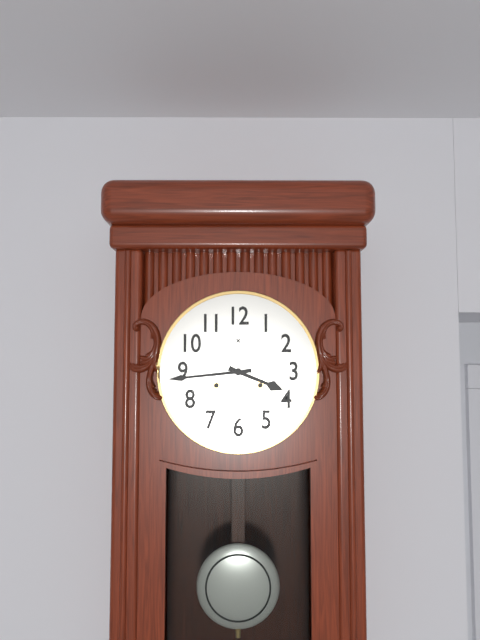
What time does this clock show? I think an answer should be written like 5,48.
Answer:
3,44
